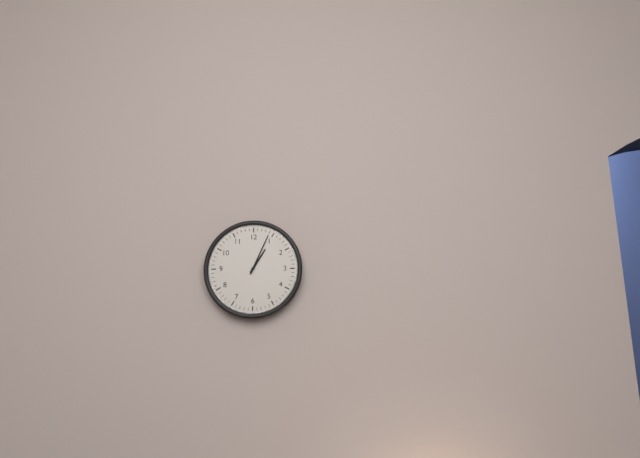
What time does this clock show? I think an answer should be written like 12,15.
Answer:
1,04
